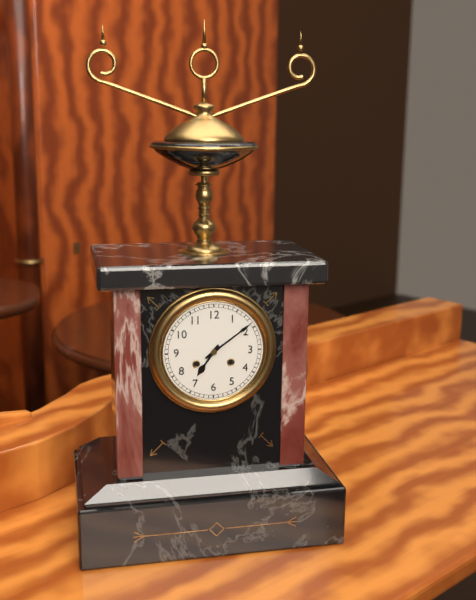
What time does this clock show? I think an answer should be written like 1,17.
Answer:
7,09
